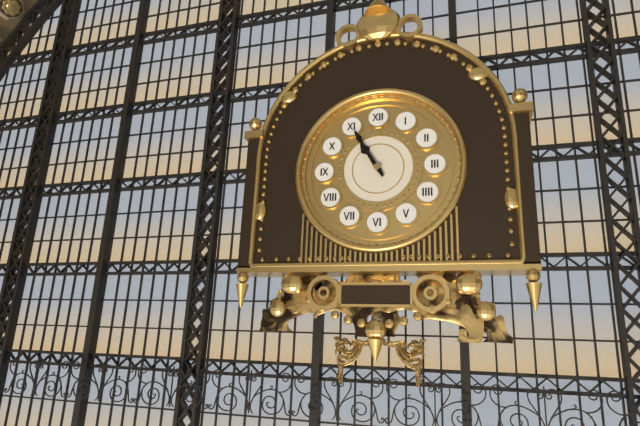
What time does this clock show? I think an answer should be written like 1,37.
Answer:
10,55
